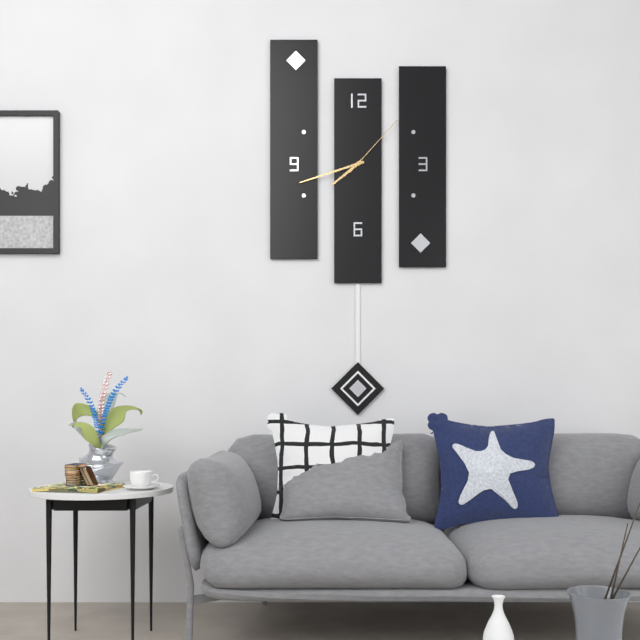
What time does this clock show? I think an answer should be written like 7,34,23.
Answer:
7,42,07
